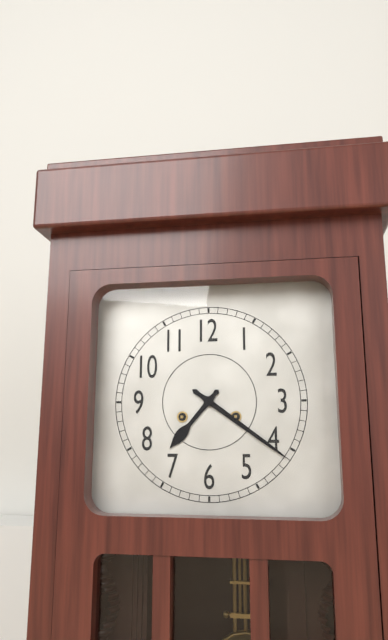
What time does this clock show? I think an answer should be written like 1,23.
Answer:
7,21
